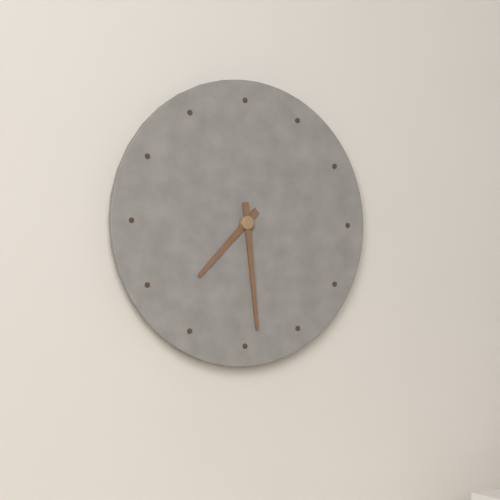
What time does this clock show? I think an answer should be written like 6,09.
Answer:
7,29
